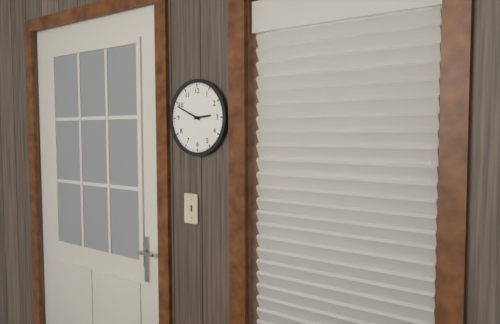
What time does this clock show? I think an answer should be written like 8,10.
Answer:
2,49
